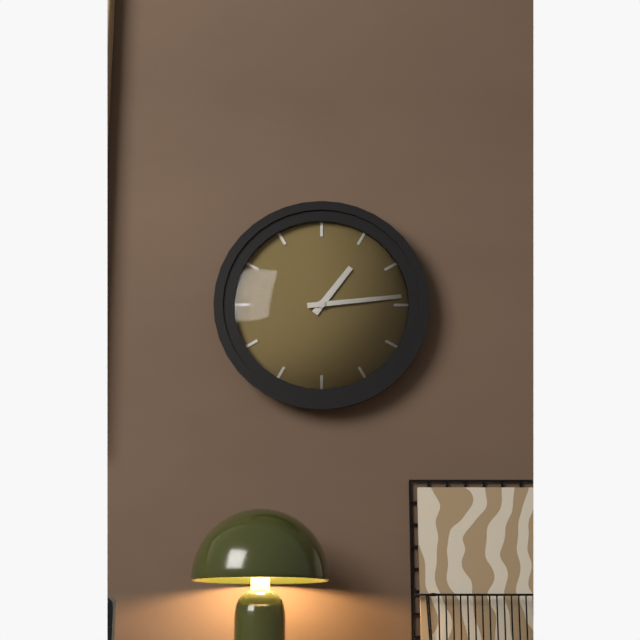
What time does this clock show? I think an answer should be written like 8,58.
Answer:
1,14
